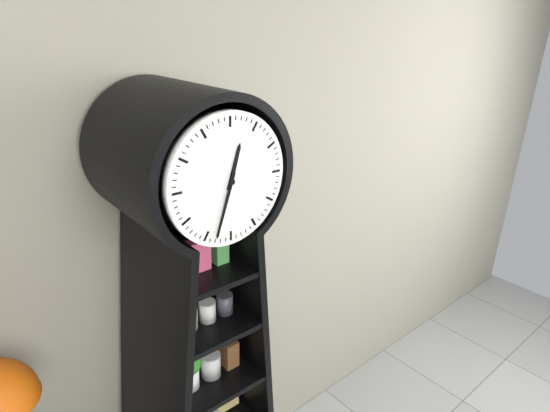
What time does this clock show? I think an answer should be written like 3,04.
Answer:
12,33
